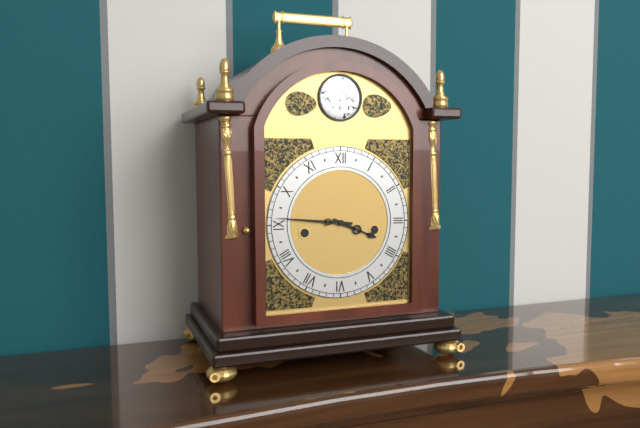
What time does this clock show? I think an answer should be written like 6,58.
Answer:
3,46
